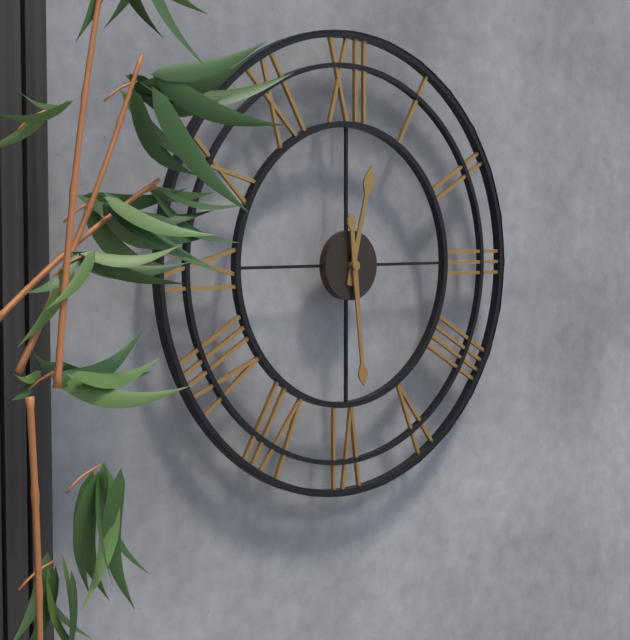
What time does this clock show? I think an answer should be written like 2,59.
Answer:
12,29
